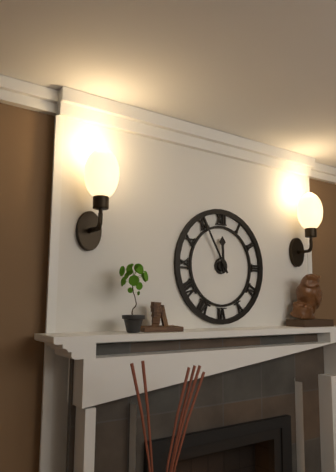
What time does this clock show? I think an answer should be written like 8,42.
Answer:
11,55
